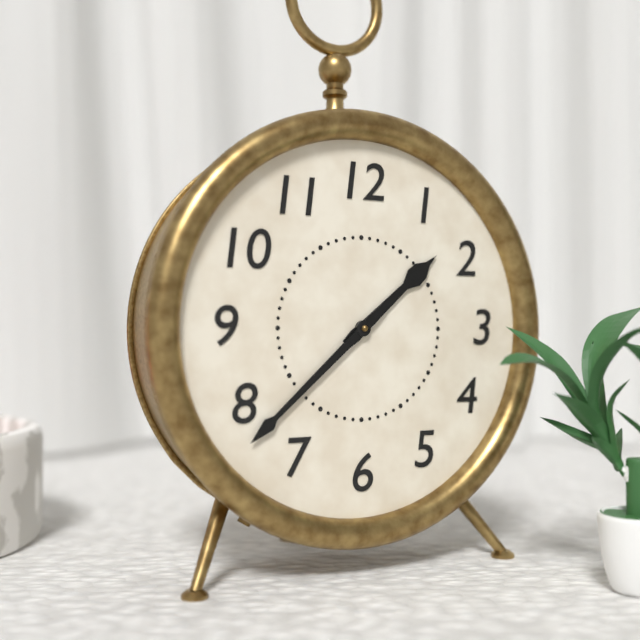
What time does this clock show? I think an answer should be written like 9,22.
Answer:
1,38
